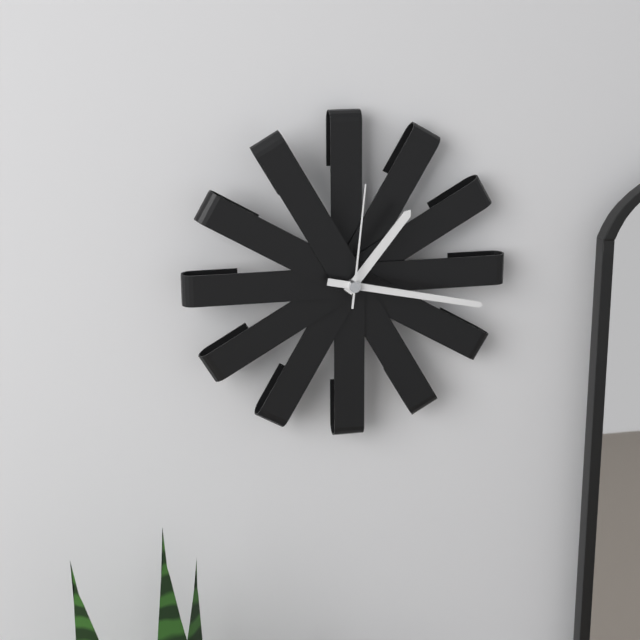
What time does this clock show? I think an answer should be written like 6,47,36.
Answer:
1,17,01
